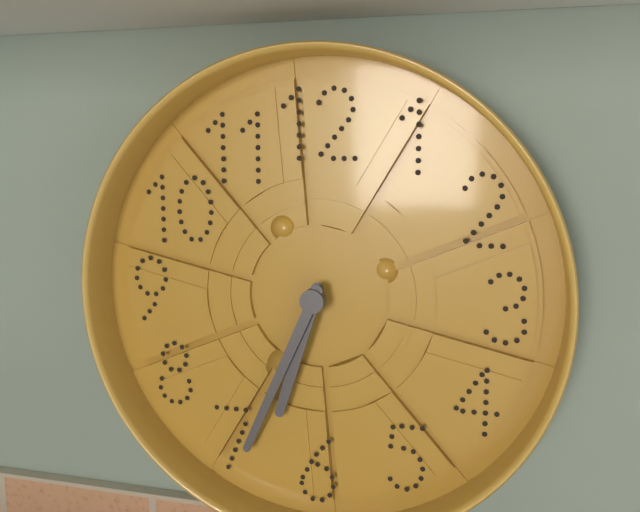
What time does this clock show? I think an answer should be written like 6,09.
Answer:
6,34
